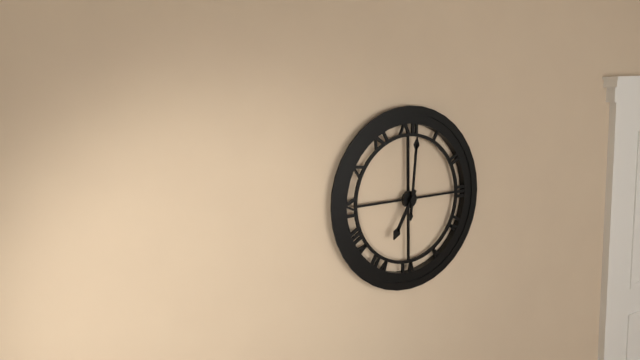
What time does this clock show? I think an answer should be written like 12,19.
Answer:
7,01
